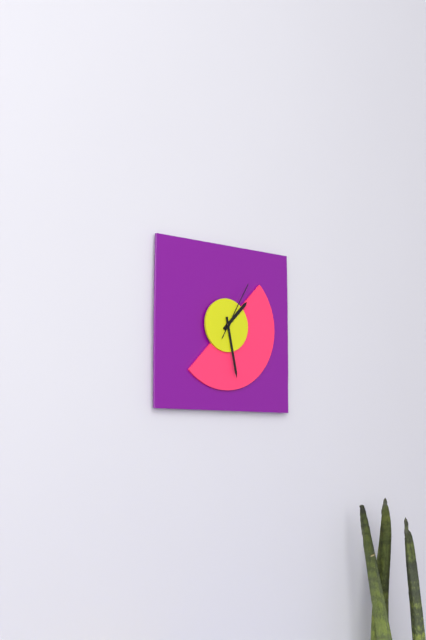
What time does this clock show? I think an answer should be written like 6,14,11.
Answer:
1,28,05
